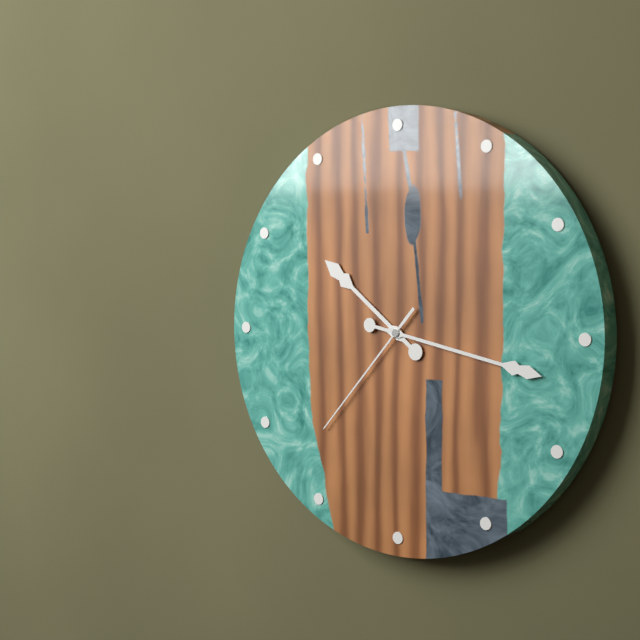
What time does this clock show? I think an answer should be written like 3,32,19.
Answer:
10,17,37
